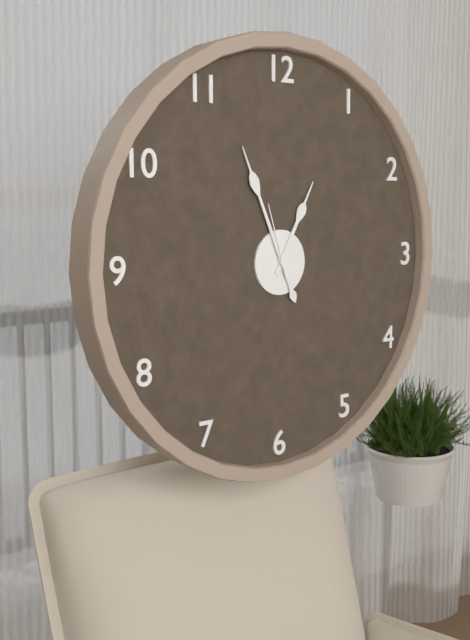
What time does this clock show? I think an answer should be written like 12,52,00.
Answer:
12,56,57
